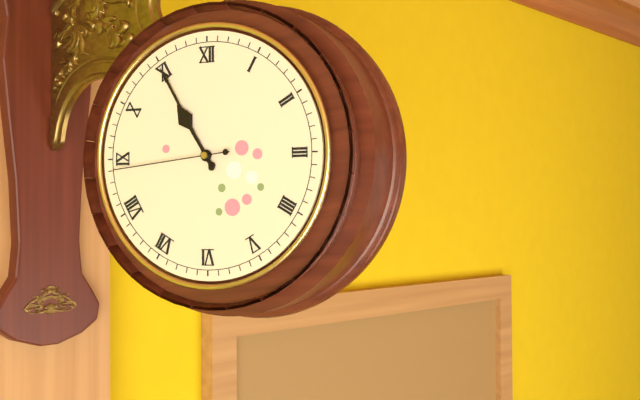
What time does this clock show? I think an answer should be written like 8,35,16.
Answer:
10,55,44
